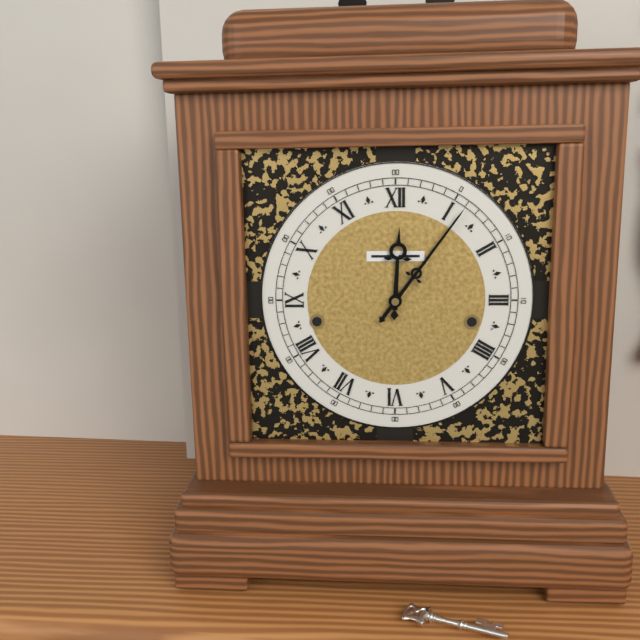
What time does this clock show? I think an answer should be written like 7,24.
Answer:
12,06
